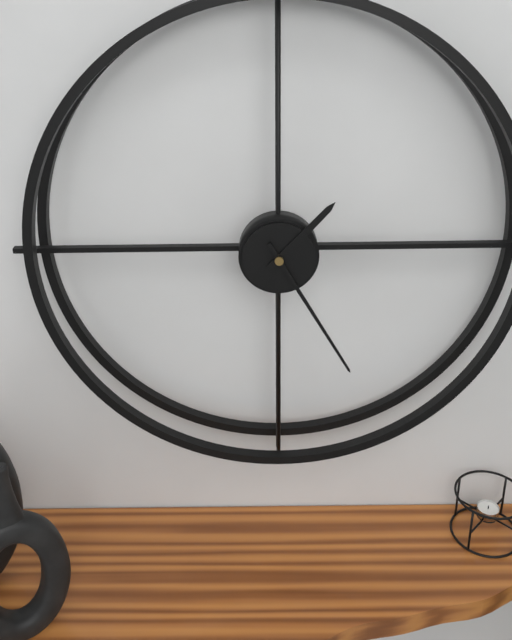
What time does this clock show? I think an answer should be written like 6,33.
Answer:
1,25
